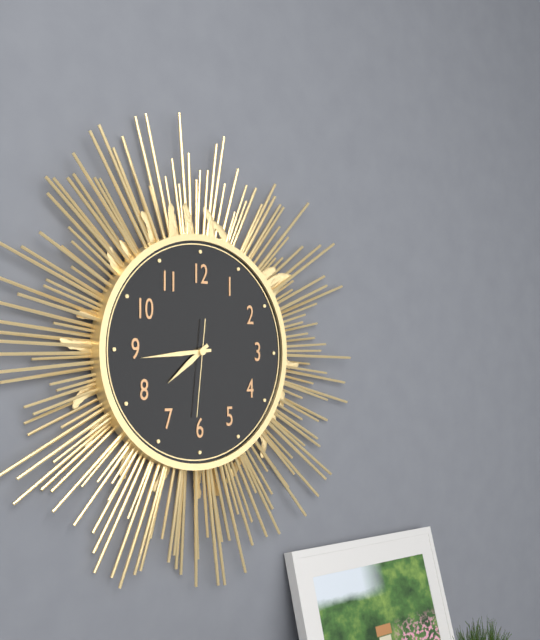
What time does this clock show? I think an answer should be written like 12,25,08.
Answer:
7,44,31
